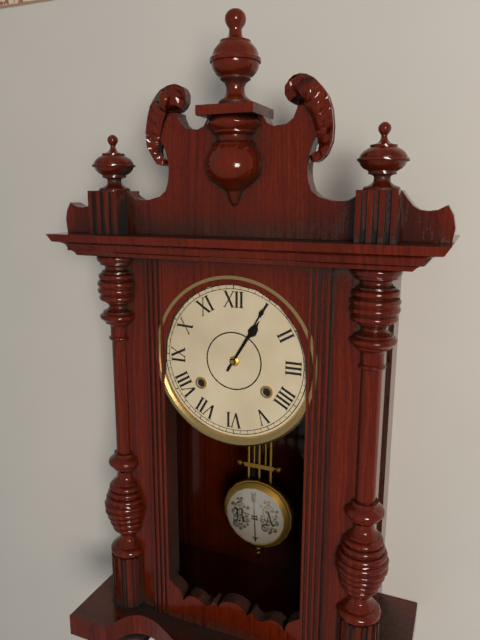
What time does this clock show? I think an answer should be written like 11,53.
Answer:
1,05
